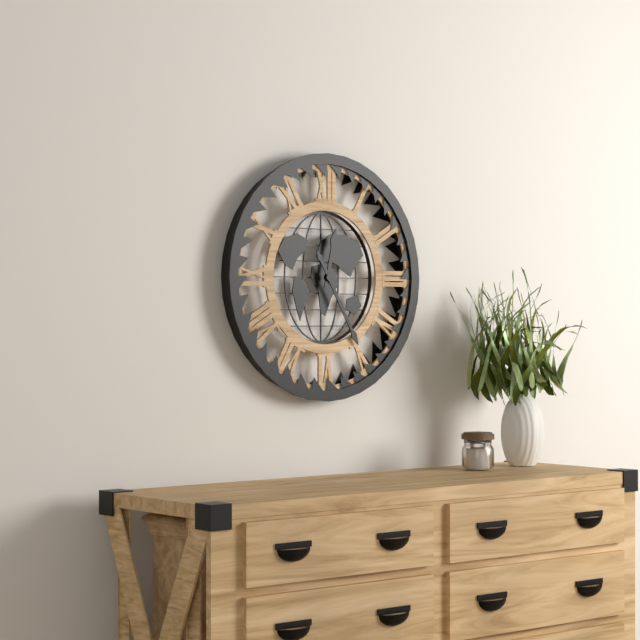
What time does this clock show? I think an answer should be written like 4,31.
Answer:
12,25
